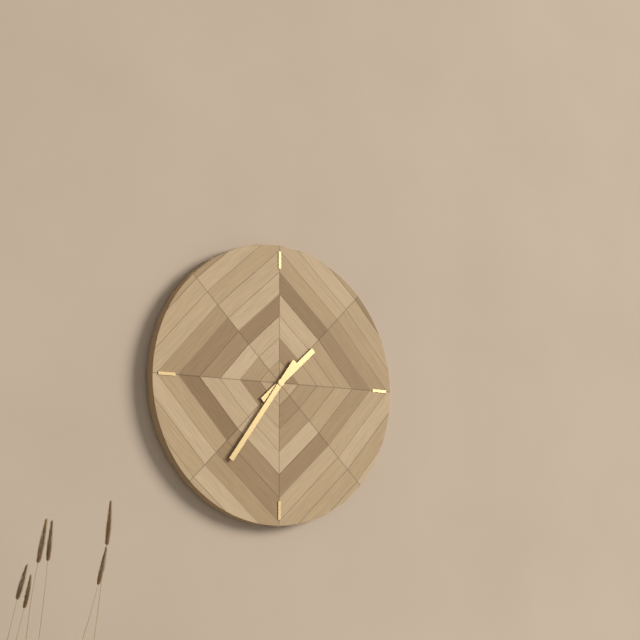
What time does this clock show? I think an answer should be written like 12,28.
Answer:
1,36
